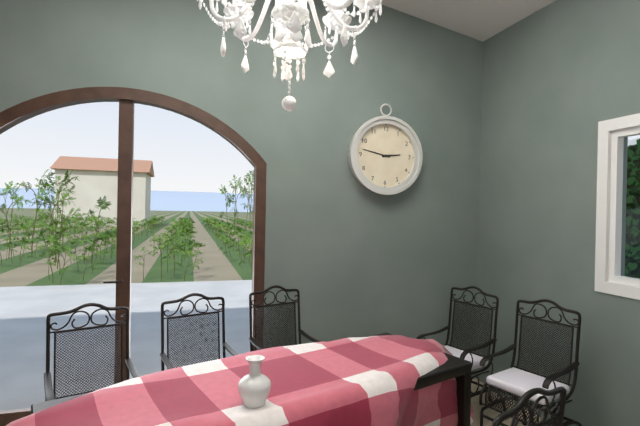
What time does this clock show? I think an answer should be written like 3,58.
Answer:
2,47
